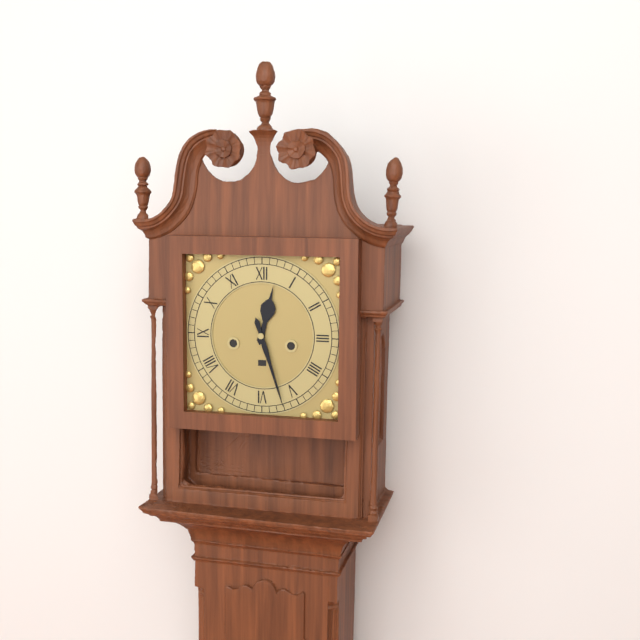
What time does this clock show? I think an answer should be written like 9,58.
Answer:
12,27
